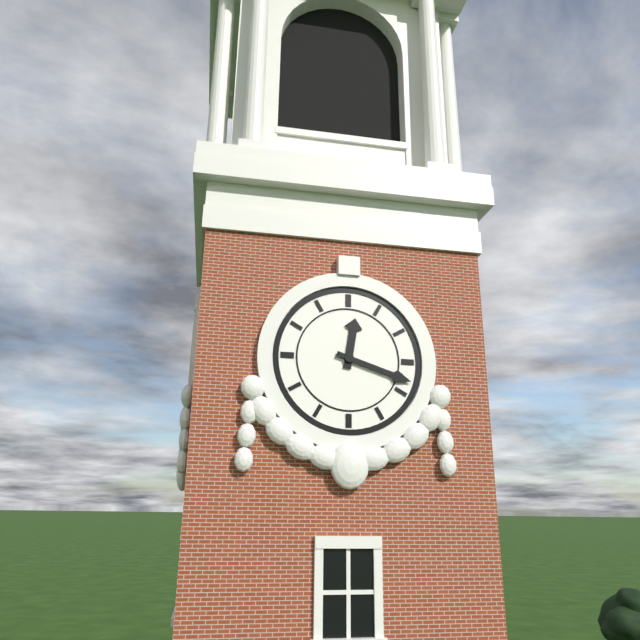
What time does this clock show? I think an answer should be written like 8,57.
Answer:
12,18
